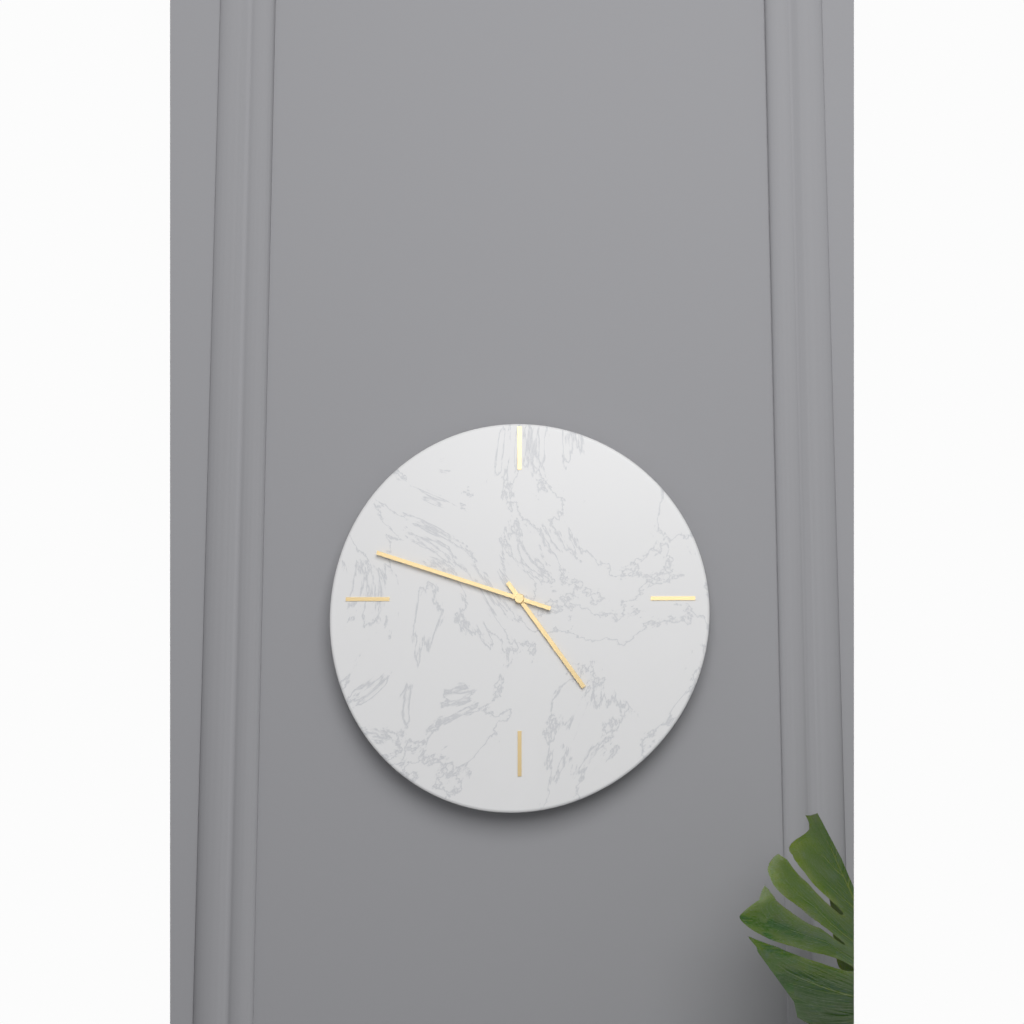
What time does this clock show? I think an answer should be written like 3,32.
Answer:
4,48
